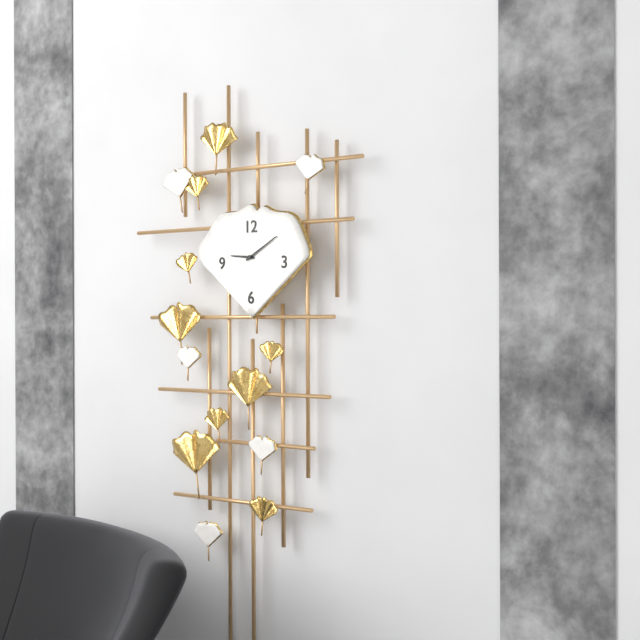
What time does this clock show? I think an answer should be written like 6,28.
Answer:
9,10
